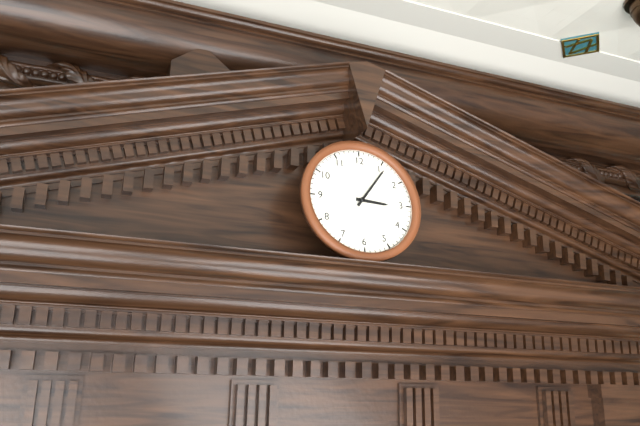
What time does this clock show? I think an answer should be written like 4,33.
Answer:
3,06
